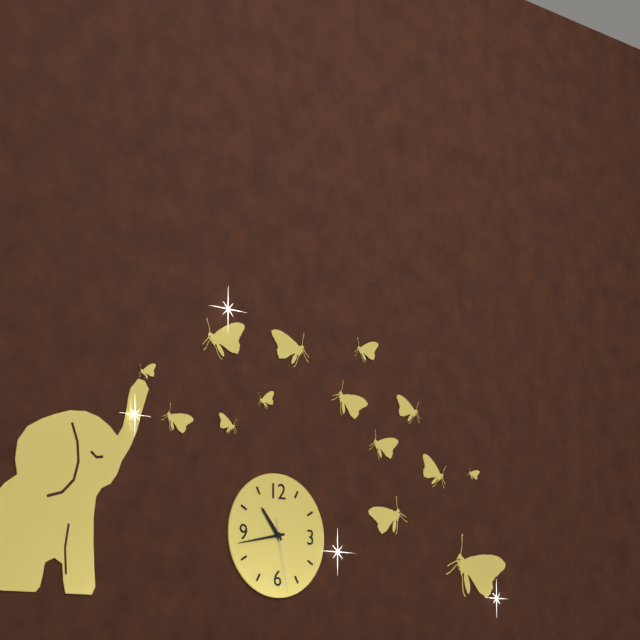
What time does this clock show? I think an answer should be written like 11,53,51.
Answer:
10,43,28
